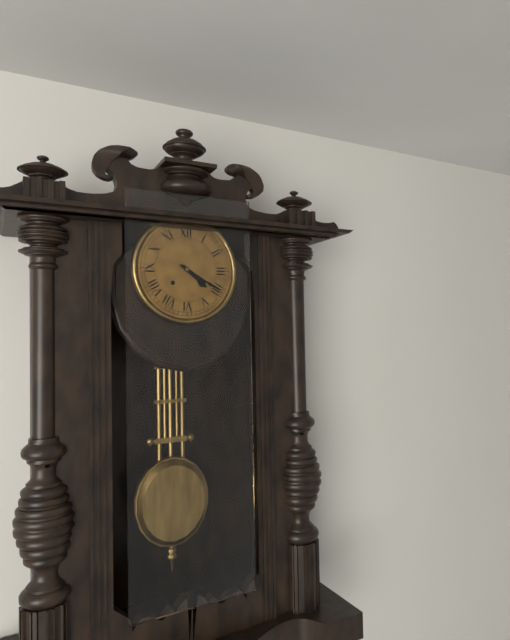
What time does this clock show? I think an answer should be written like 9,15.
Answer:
4,20
